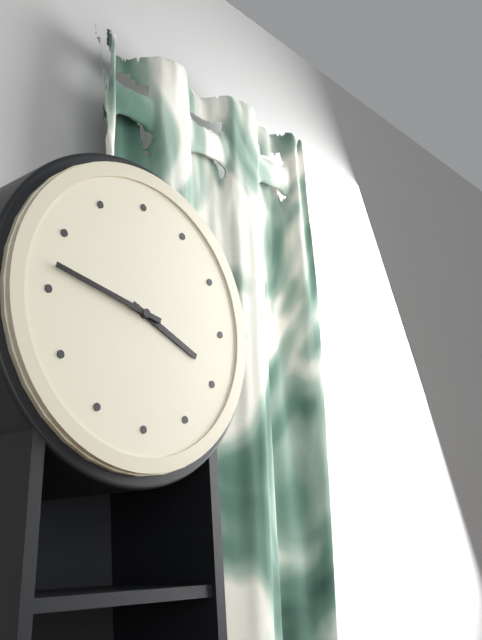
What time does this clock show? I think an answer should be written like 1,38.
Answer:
3,47
